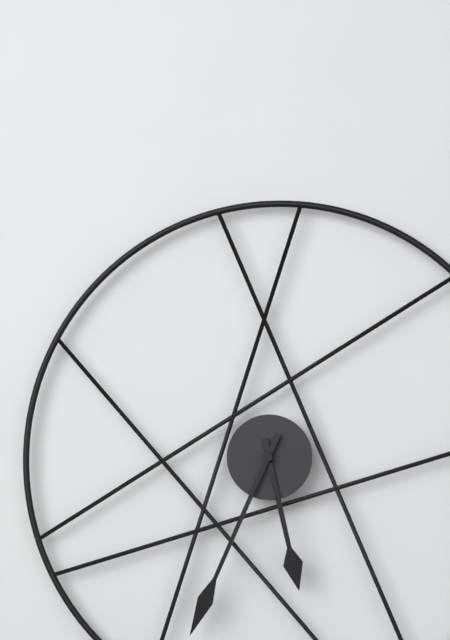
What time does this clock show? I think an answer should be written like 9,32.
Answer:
5,34
